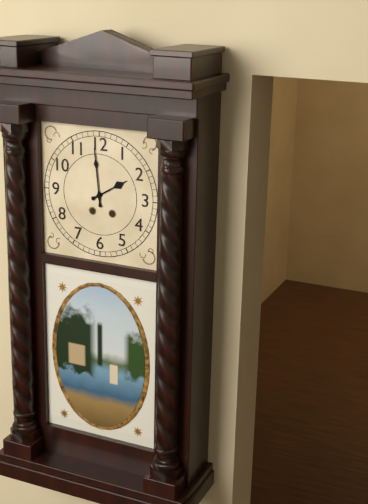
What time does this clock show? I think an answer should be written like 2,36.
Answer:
1,59
